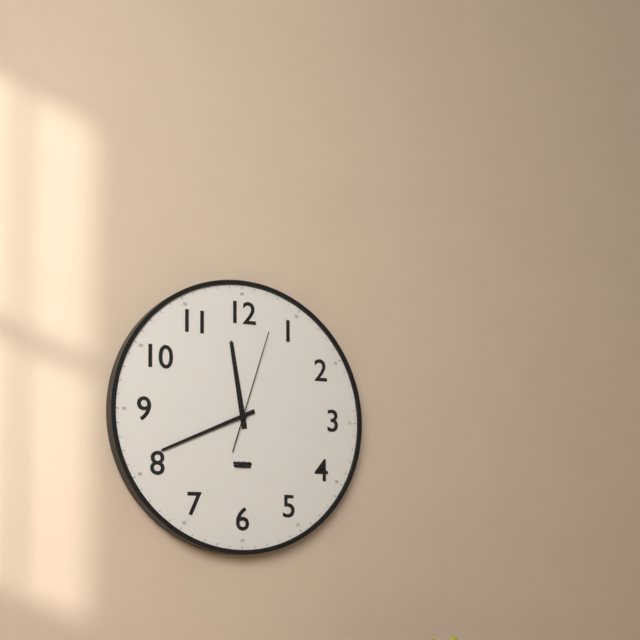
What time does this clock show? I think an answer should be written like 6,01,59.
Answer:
11,41,03
